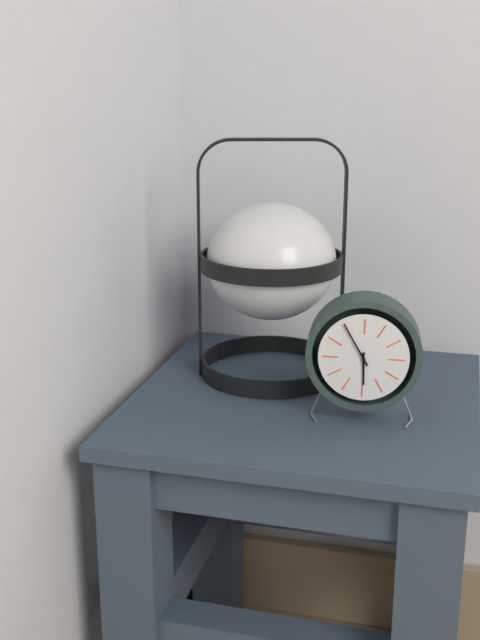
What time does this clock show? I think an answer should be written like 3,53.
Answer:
5,55
